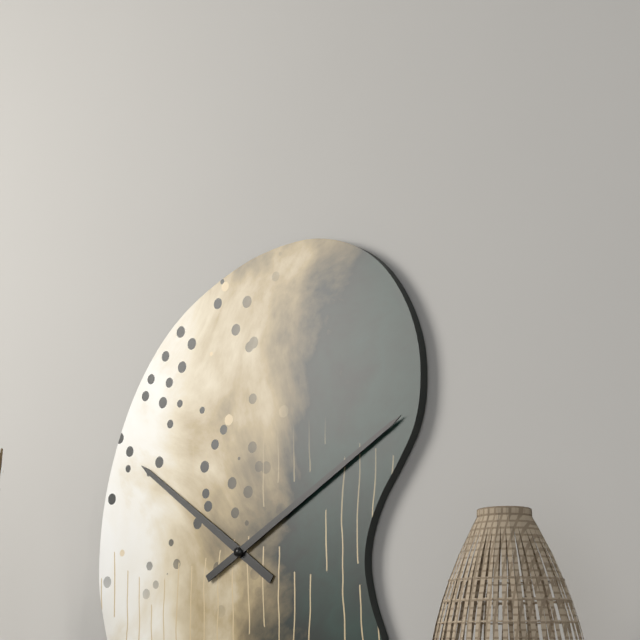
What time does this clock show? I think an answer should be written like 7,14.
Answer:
10,10
